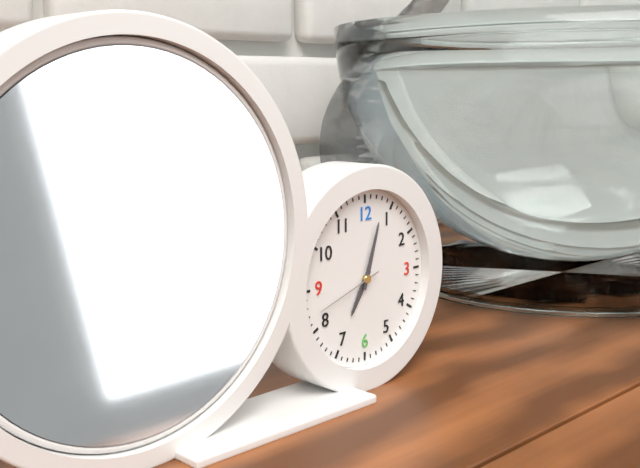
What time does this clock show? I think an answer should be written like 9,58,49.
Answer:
7,03,42
